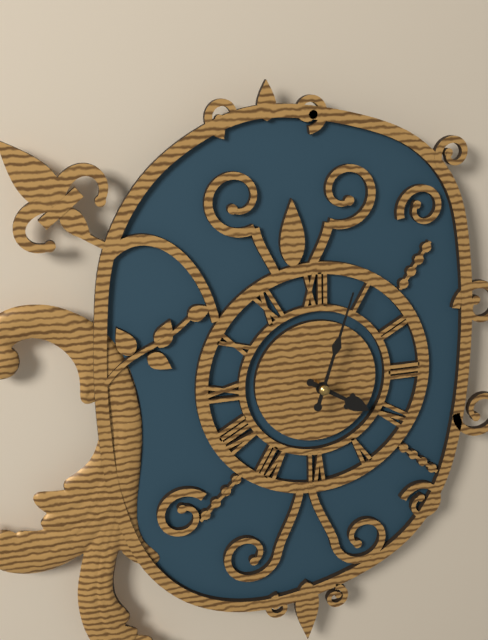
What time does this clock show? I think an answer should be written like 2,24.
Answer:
4,03
